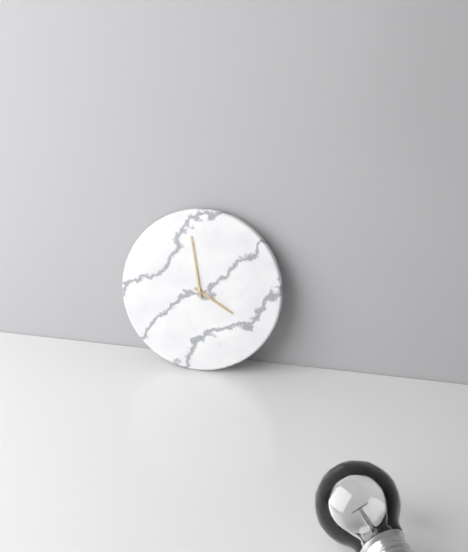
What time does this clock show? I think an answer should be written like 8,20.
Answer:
3,58
